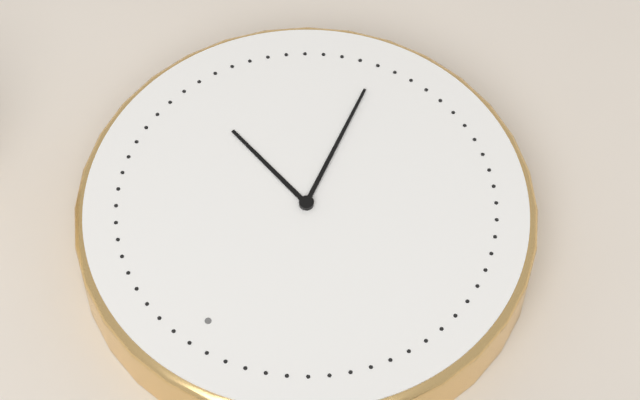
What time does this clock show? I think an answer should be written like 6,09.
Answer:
3,28
